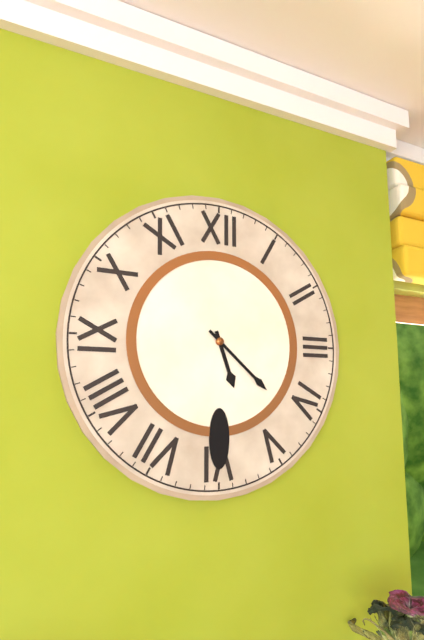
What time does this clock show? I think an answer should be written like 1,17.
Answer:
5,22
